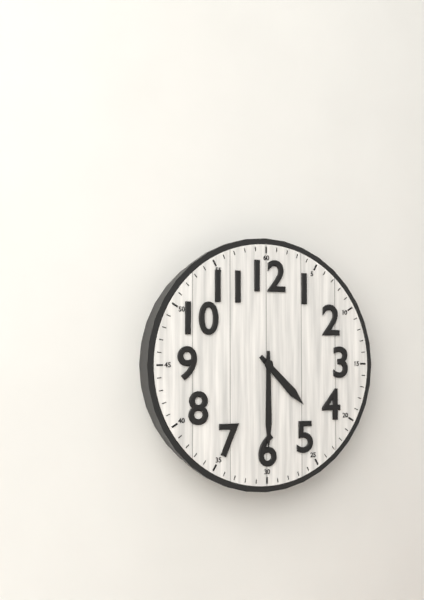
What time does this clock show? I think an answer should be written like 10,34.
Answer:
4,30
